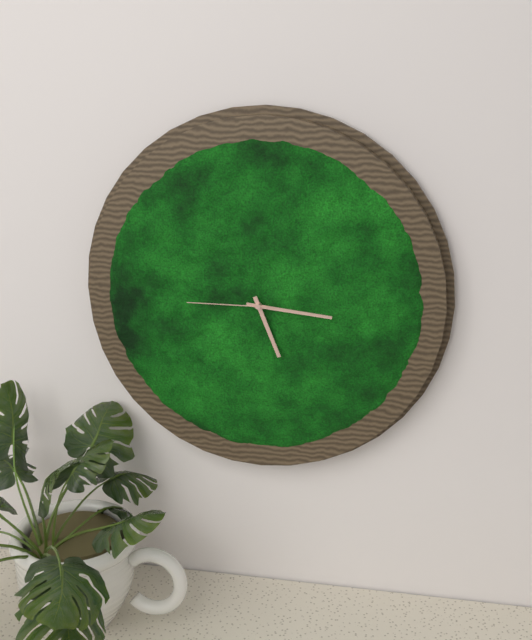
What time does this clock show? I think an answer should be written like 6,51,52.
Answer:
5,16,45
